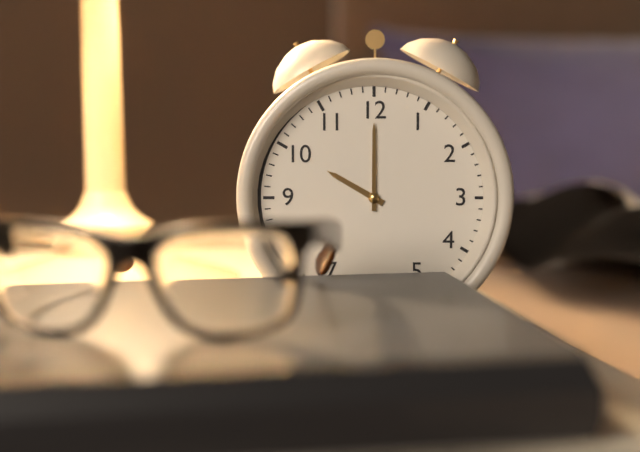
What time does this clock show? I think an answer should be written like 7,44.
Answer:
10,00
